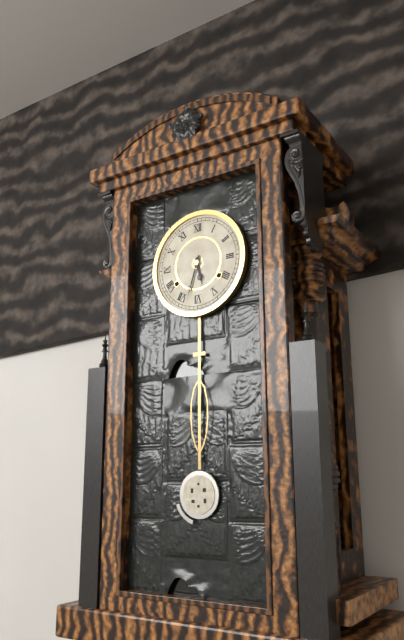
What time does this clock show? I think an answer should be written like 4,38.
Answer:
5,33
